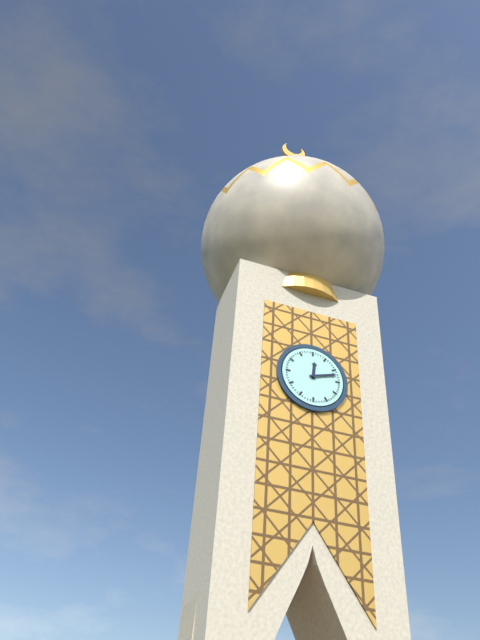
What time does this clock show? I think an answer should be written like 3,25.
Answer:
12,12
